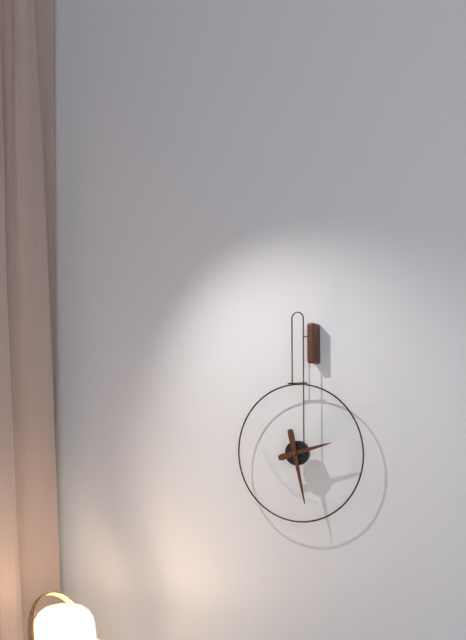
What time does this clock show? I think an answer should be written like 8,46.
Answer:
2,28
